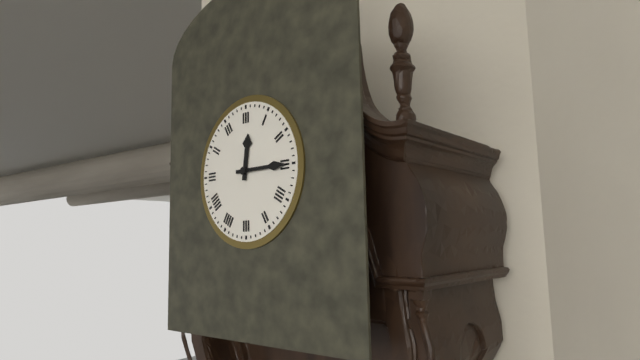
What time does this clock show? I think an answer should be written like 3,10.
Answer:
12,15
